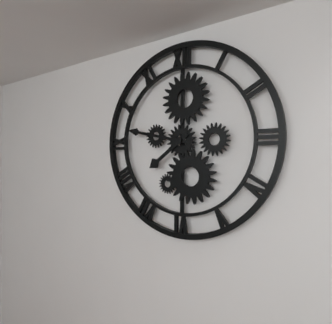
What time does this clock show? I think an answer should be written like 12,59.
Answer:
7,47
